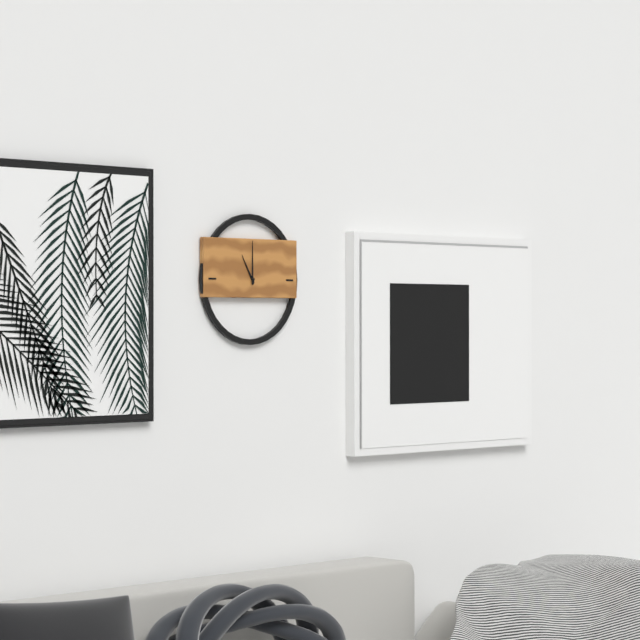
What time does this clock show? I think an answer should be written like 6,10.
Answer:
11,00
